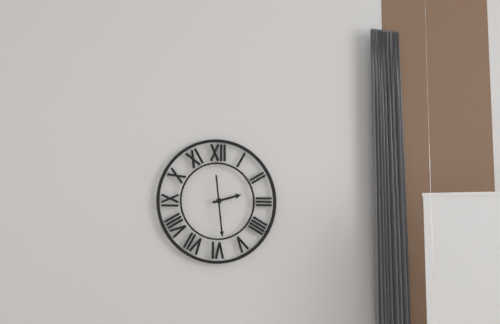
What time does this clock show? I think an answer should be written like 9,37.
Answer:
2,29
